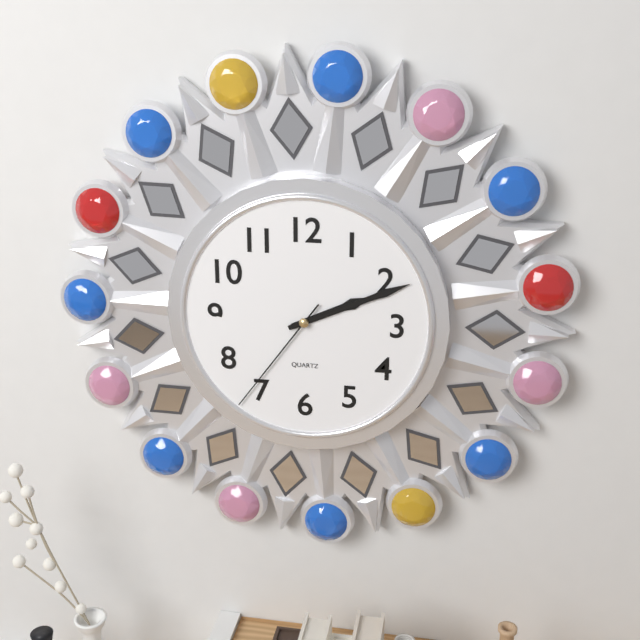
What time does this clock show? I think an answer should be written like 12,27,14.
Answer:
2,11,36
